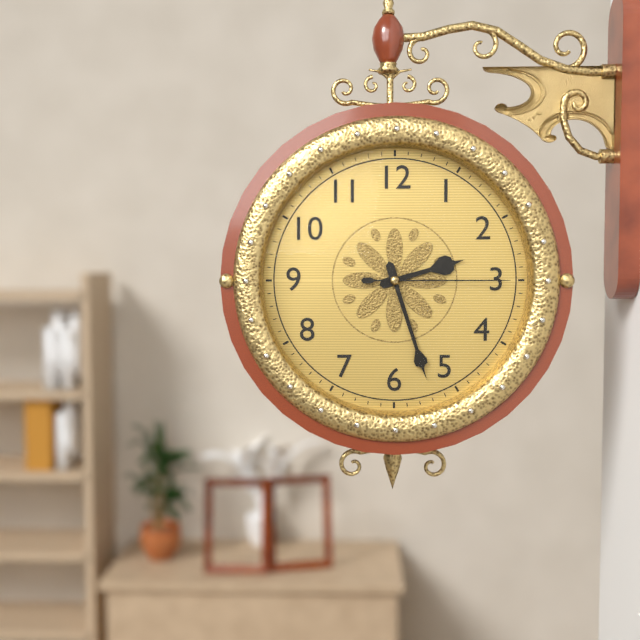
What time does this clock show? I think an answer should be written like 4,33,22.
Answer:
2,27,15
